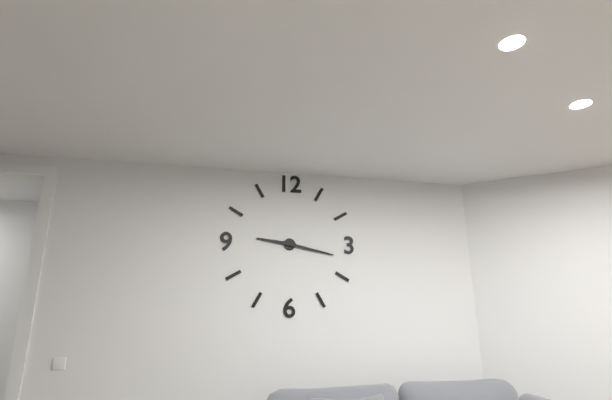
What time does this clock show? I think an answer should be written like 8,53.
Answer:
9,17
